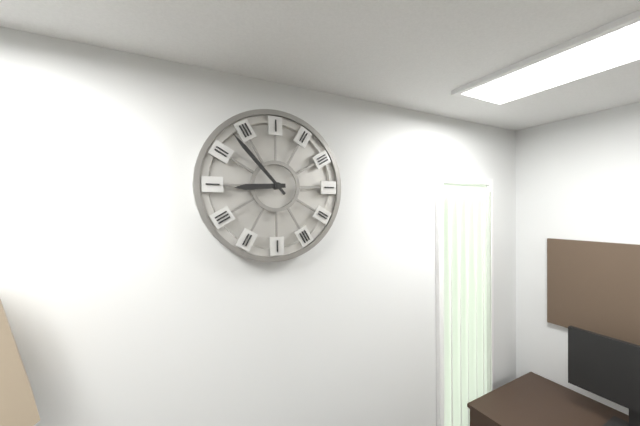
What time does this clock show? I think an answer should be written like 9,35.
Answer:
8,53
